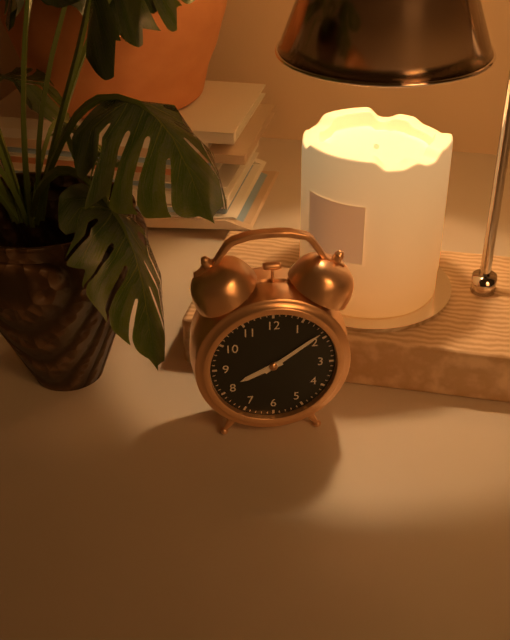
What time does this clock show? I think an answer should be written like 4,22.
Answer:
8,09
